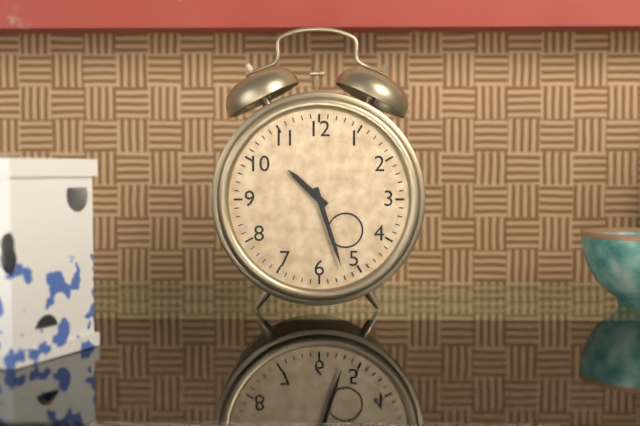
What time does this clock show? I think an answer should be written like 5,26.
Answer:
10,27
